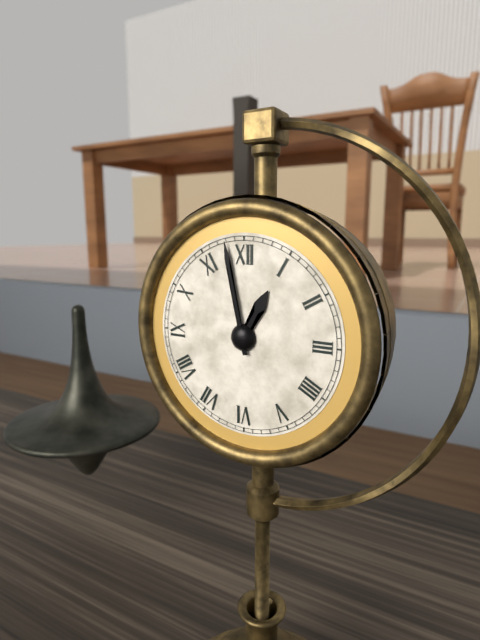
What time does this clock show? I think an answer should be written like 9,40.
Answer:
12,58
